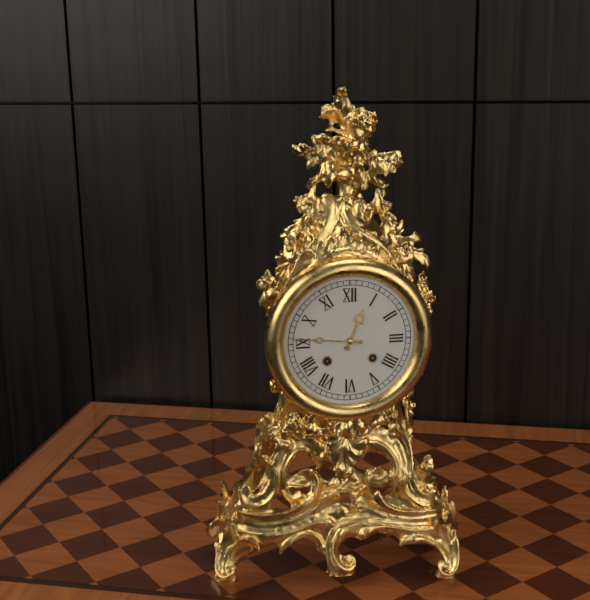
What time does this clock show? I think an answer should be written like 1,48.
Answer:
12,46
